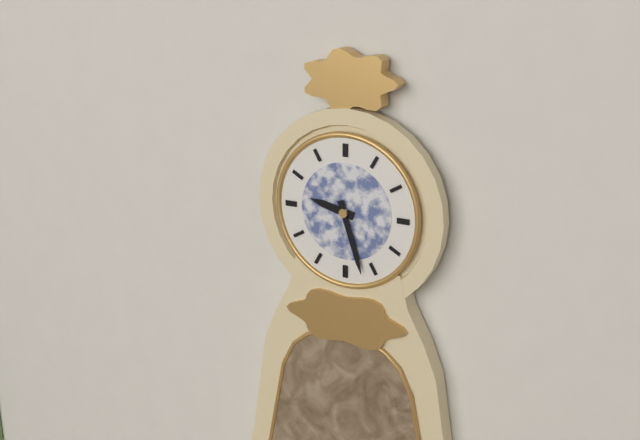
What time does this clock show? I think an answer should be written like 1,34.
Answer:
9,27
